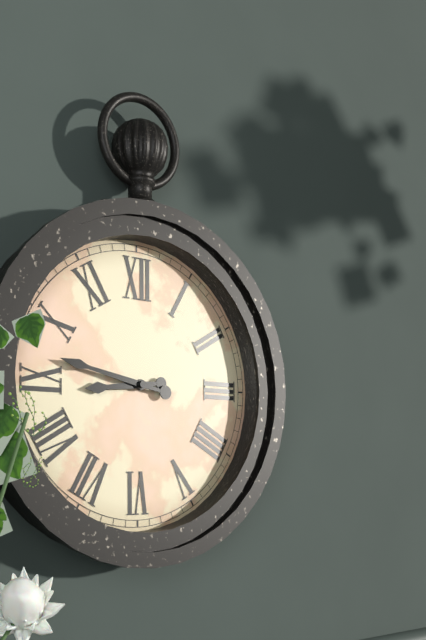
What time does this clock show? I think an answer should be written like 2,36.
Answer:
8,47
